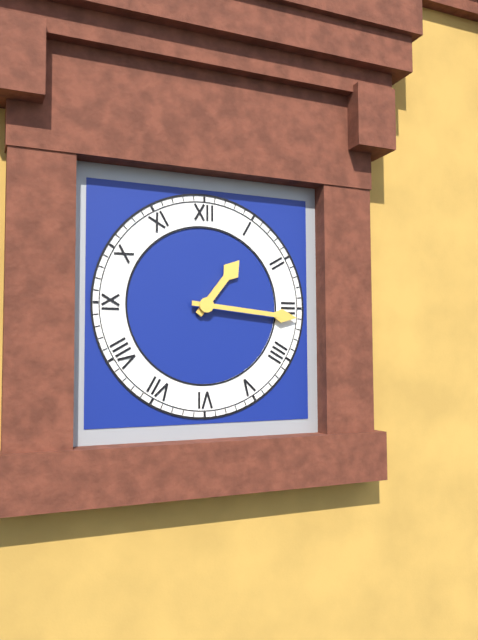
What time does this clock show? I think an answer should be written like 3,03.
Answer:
1,16
